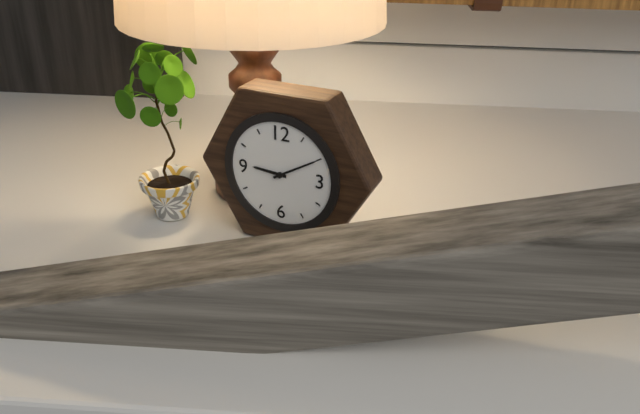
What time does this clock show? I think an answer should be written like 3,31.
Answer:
9,10
